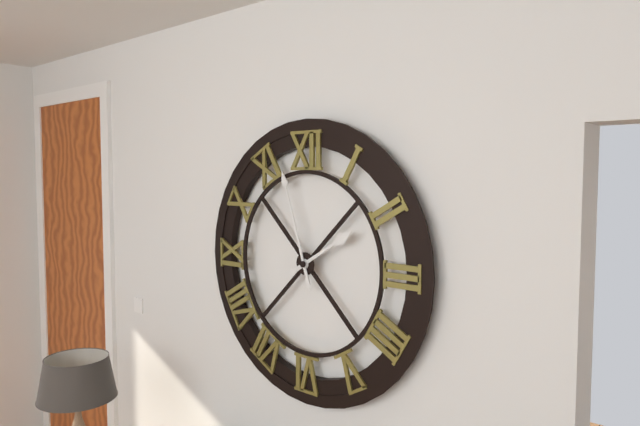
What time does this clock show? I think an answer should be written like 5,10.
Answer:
1,57
